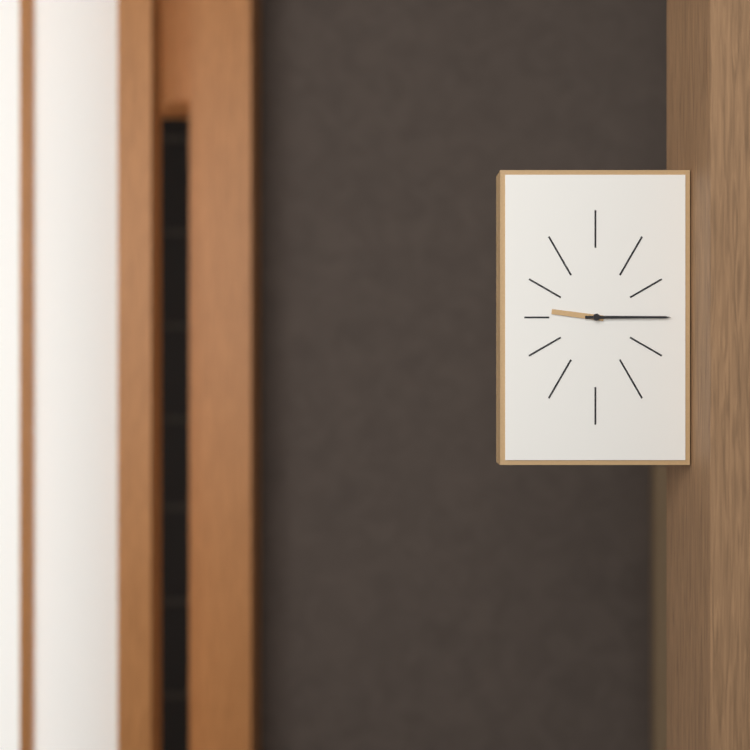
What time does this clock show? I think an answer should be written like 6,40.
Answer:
9,15
